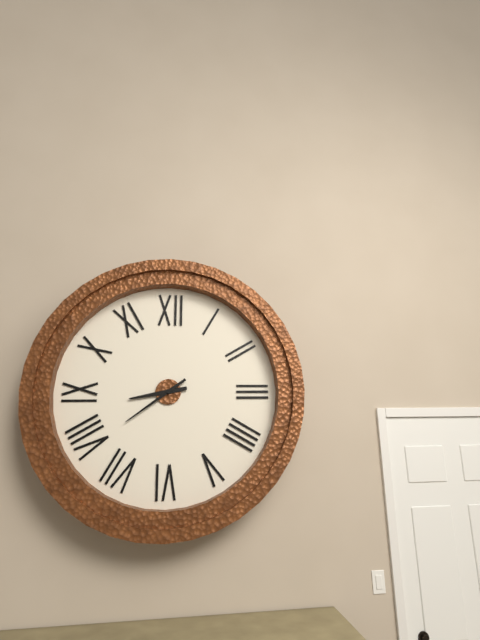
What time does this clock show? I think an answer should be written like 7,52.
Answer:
8,39
